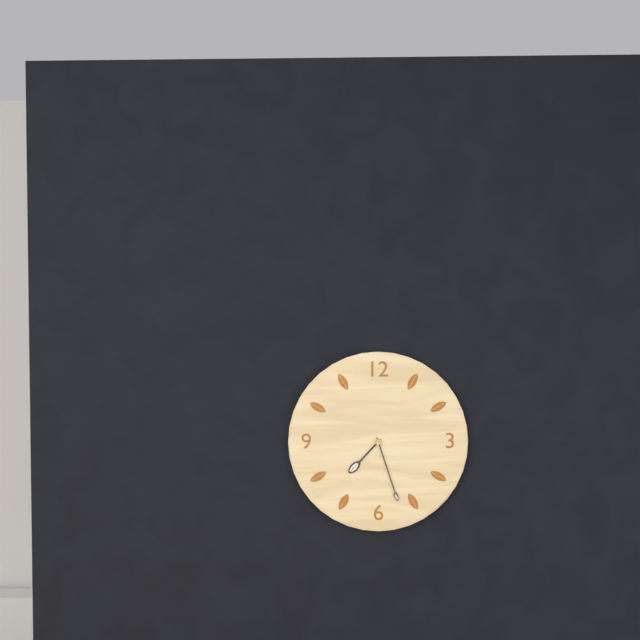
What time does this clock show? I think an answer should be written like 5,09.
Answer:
7,27
